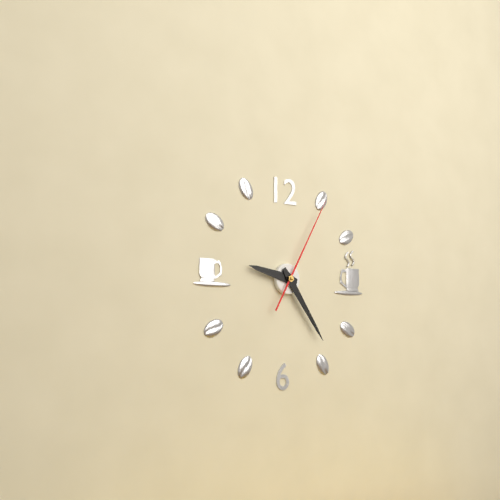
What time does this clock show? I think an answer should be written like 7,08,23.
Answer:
9,24,05
